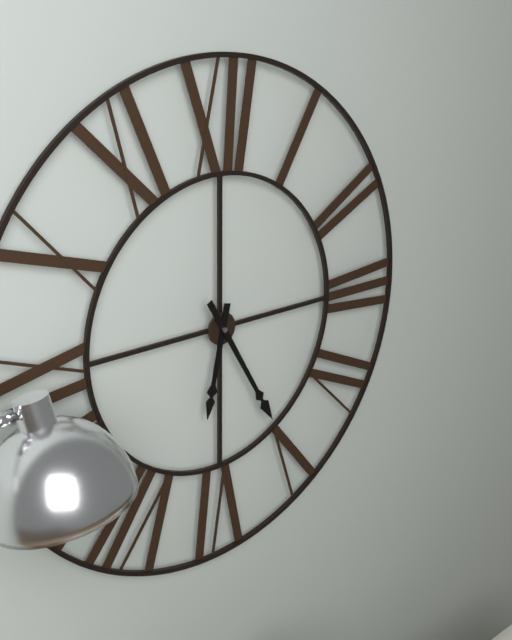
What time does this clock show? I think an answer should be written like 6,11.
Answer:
6,25
